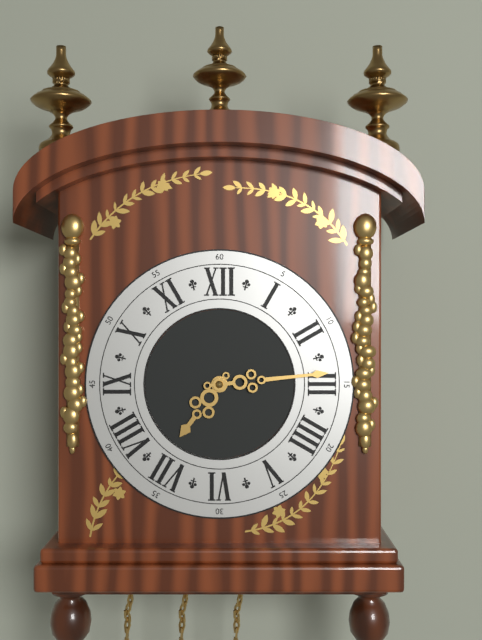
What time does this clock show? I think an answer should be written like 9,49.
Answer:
7,14
